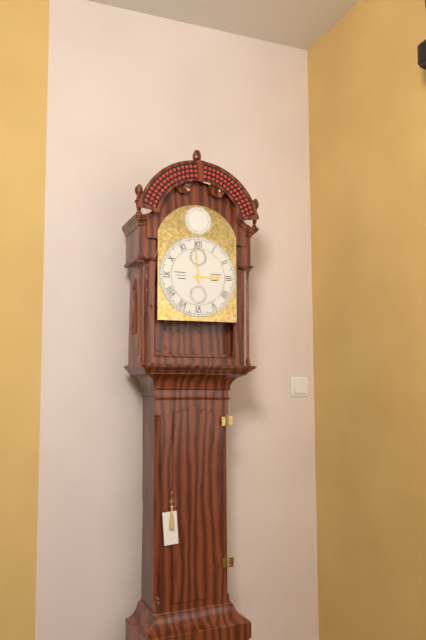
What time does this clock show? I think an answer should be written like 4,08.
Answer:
2,59
